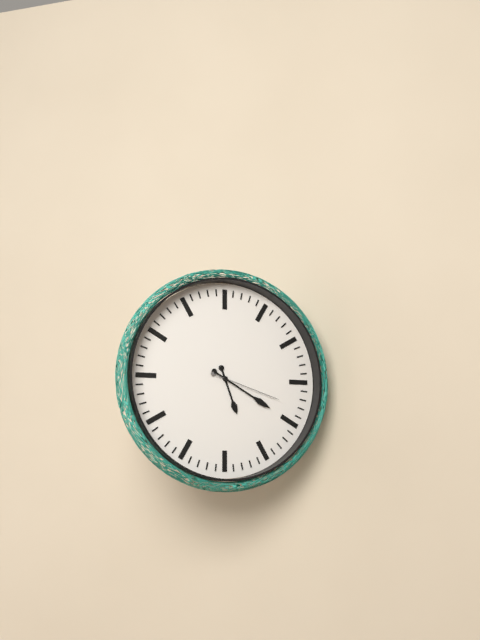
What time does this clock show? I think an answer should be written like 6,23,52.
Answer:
5,20,18
